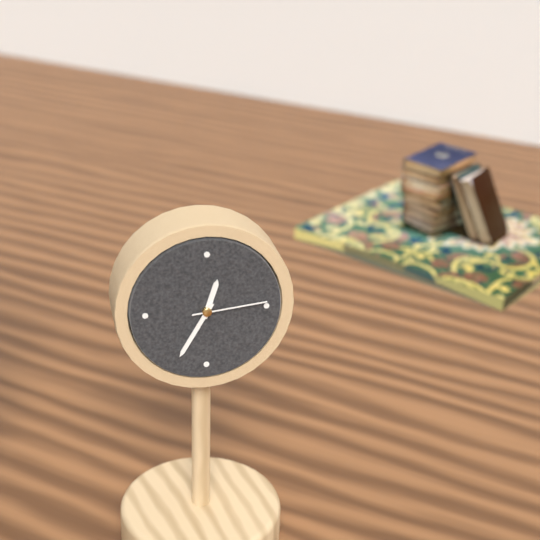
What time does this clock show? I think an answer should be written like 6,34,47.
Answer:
12,35,14
